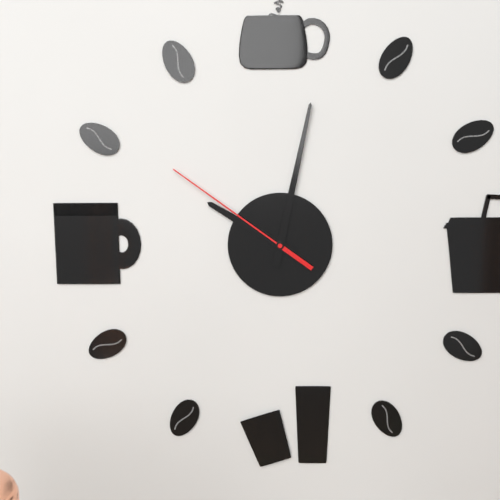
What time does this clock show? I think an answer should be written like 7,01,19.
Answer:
10,02,51
